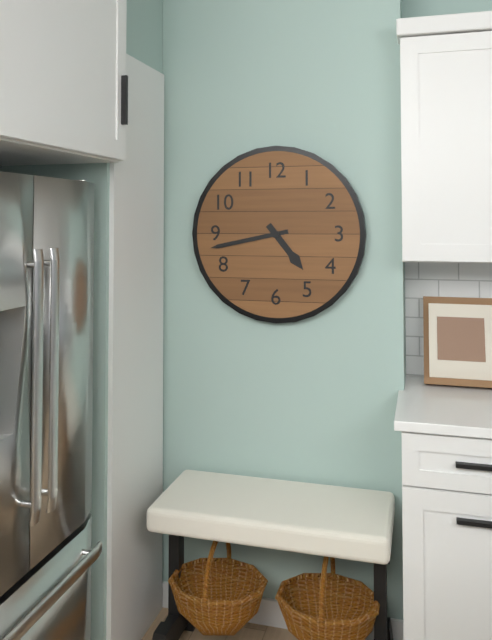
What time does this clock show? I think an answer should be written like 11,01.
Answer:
4,43
